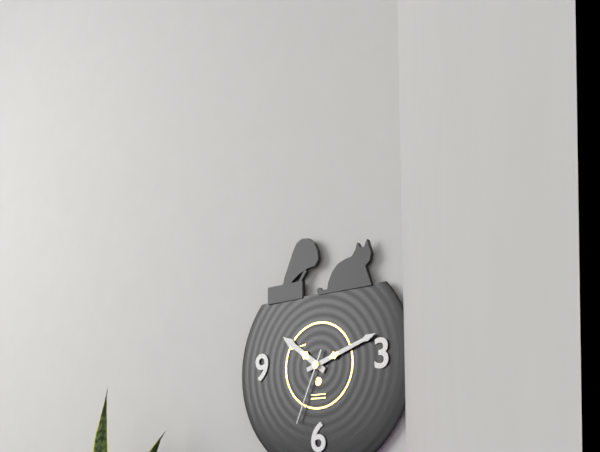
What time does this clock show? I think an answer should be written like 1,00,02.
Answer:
10,12,34
